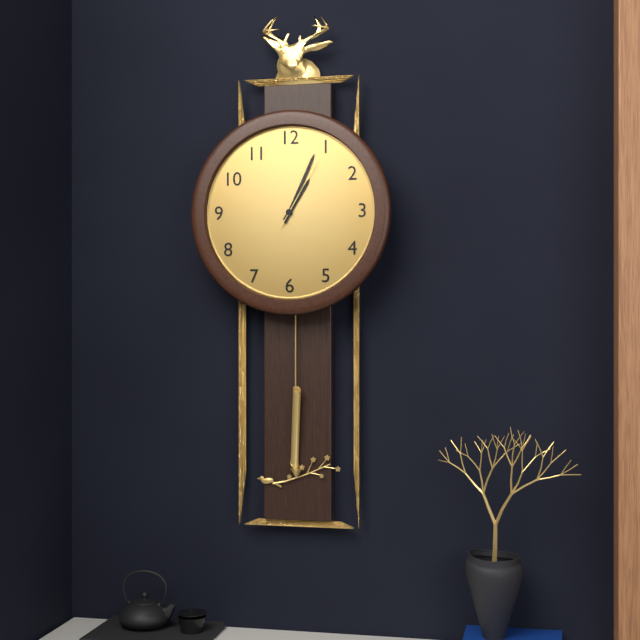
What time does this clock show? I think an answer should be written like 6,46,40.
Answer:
1,04,05
